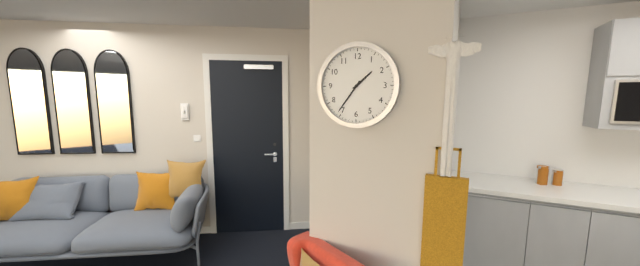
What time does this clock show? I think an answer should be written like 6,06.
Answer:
1,36
